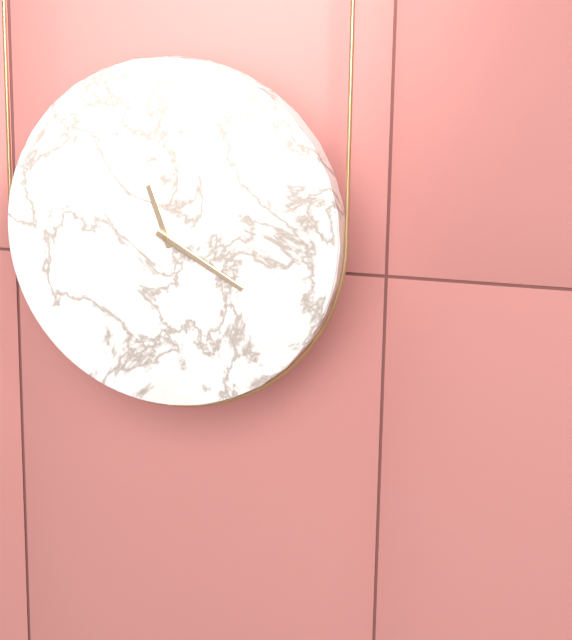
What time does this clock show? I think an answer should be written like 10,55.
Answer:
11,20
